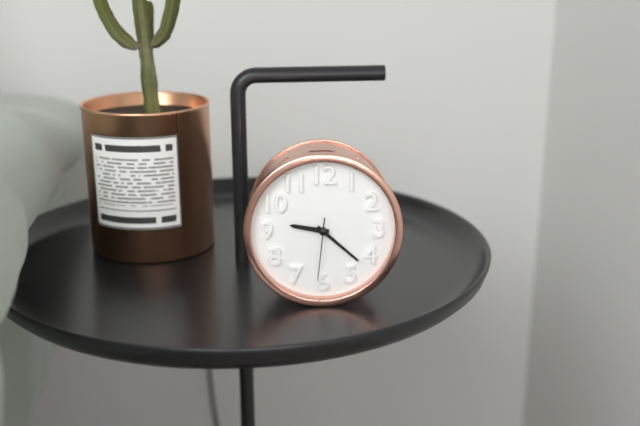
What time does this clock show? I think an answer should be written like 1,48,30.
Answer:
9,22,31
